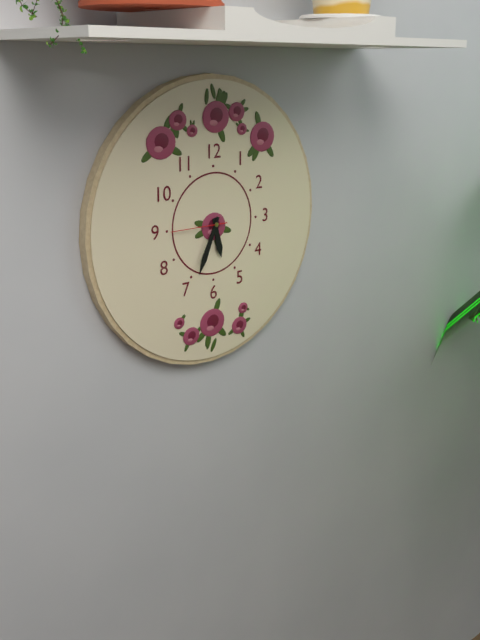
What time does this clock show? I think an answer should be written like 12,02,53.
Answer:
5,34,45
